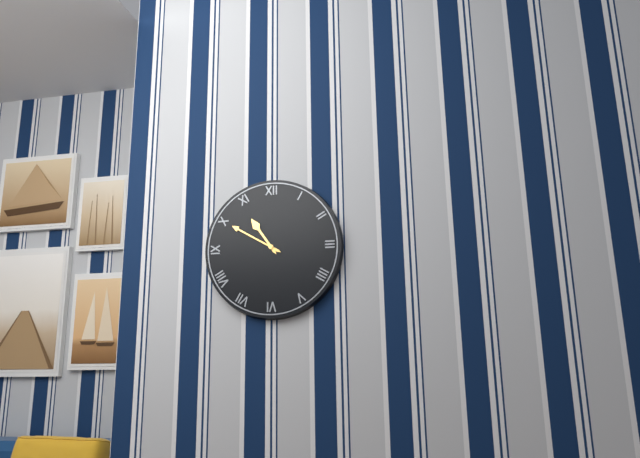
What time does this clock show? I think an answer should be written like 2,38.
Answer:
10,50
